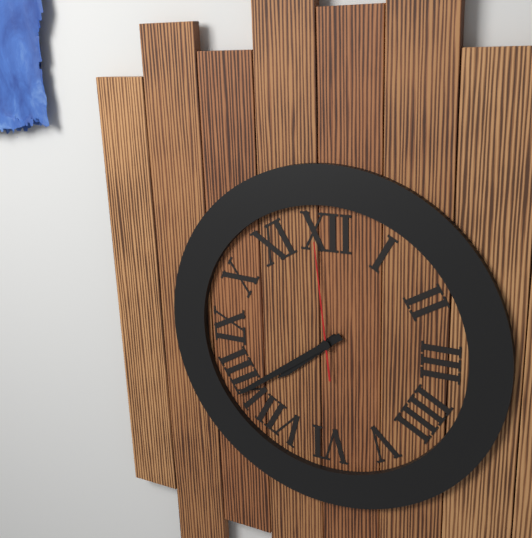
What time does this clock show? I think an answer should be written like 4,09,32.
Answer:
7,39,59
